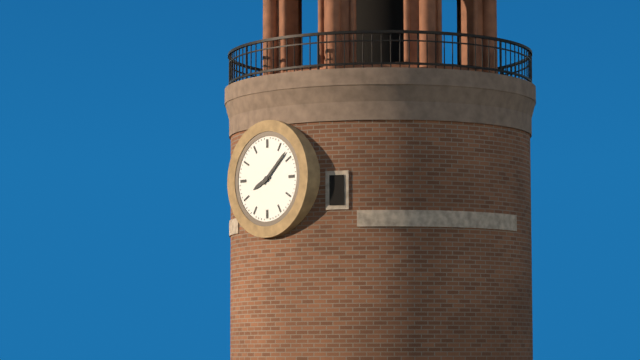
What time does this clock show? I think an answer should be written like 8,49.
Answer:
8,08
